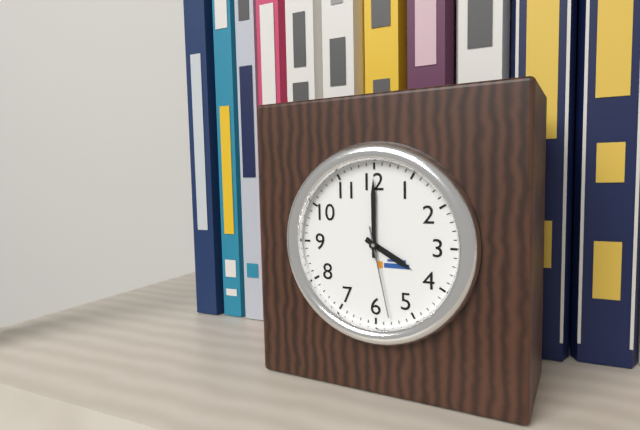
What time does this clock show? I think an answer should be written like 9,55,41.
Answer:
4,00,28
